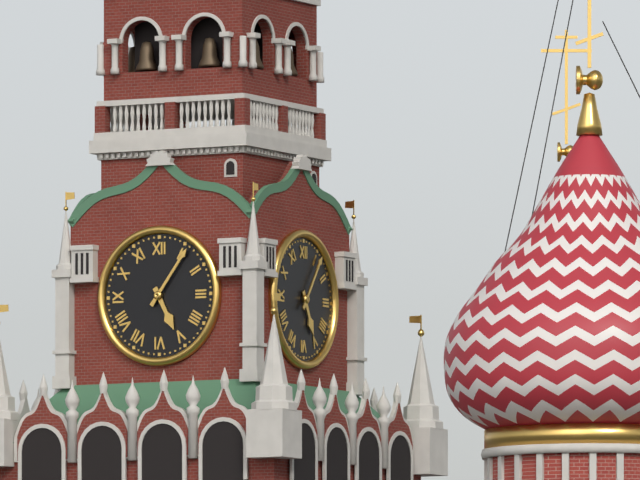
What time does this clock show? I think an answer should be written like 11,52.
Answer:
5,06
